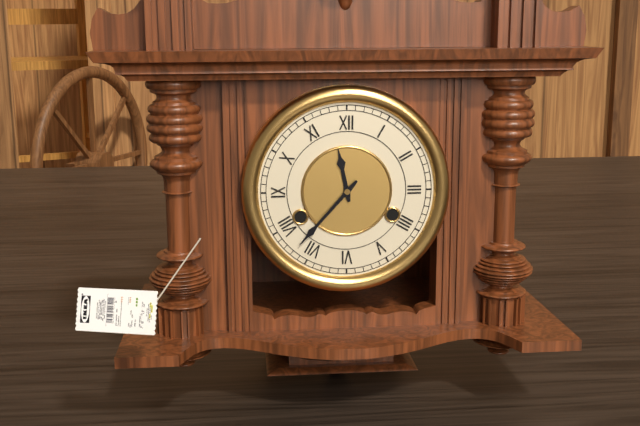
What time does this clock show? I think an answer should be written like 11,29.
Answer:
11,37
